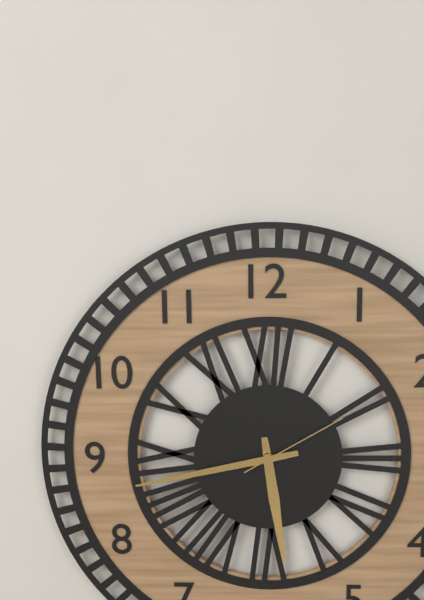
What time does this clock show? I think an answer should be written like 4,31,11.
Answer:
5,43,10
